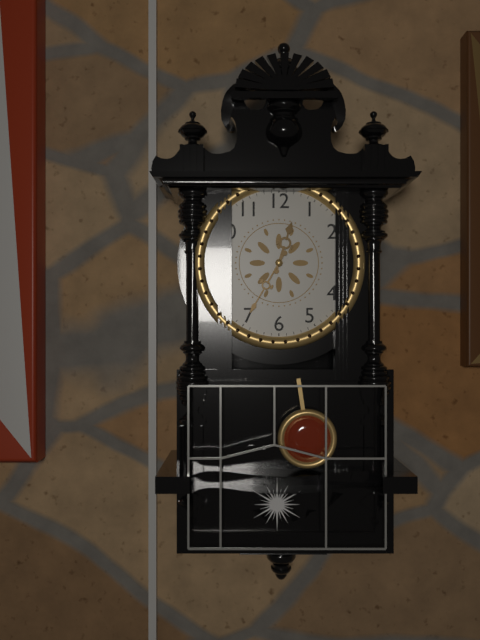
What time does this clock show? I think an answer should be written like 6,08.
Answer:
12,35
